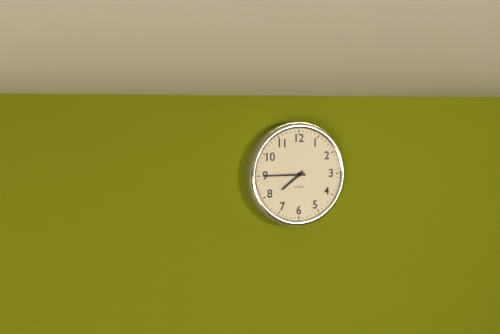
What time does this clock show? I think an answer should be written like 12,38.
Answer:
7,45
